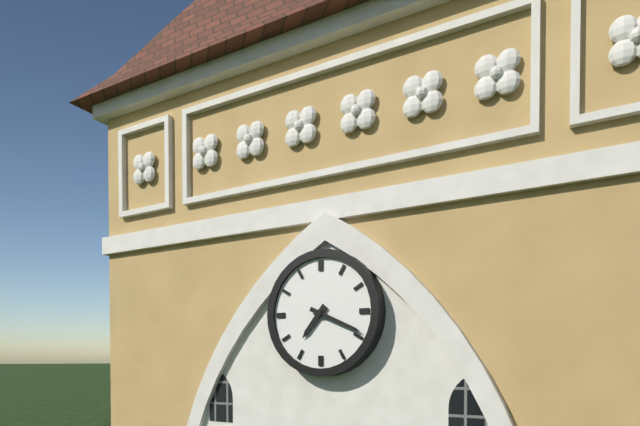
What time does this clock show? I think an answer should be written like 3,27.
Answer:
7,19
